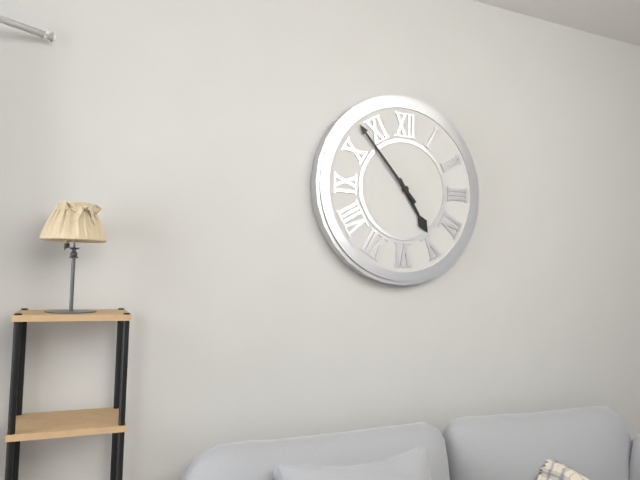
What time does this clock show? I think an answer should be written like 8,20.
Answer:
4,53
